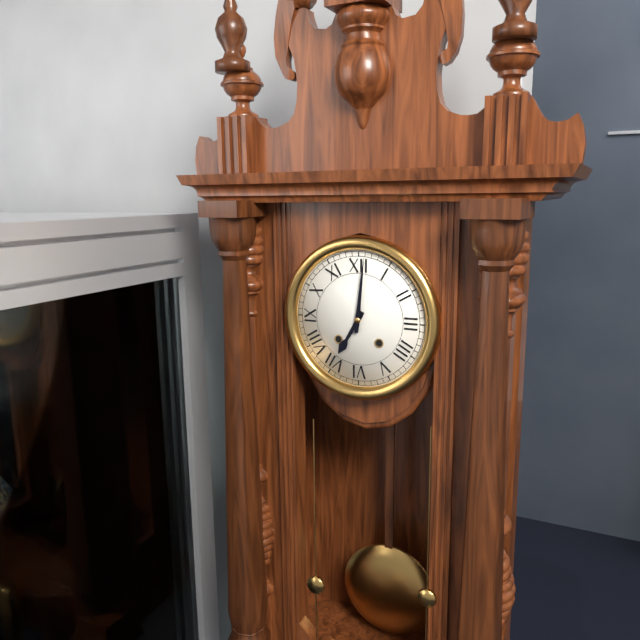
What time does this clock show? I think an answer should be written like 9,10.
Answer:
7,01
